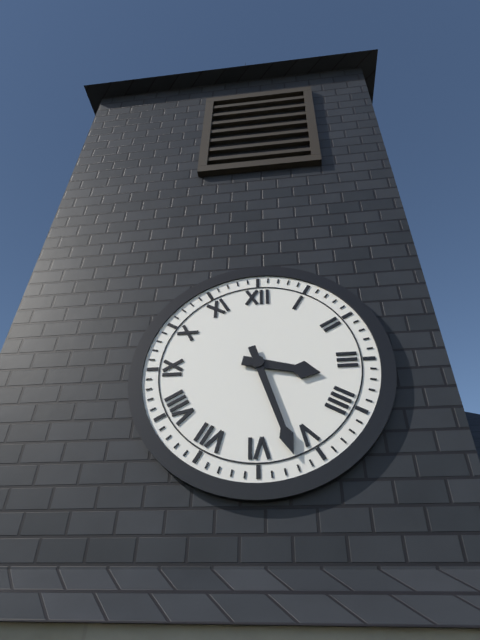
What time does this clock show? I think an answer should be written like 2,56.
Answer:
3,27
